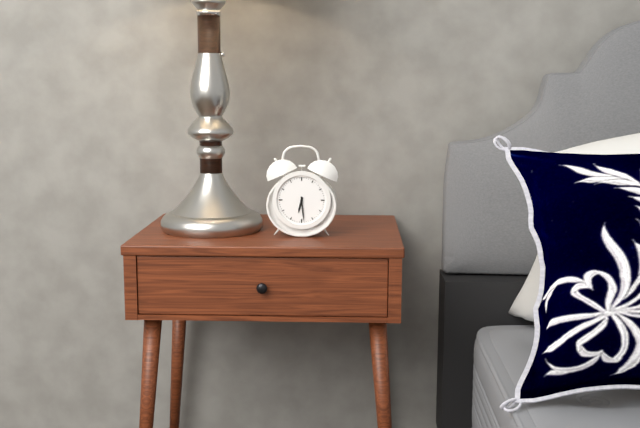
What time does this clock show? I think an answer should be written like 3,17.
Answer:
6,29
